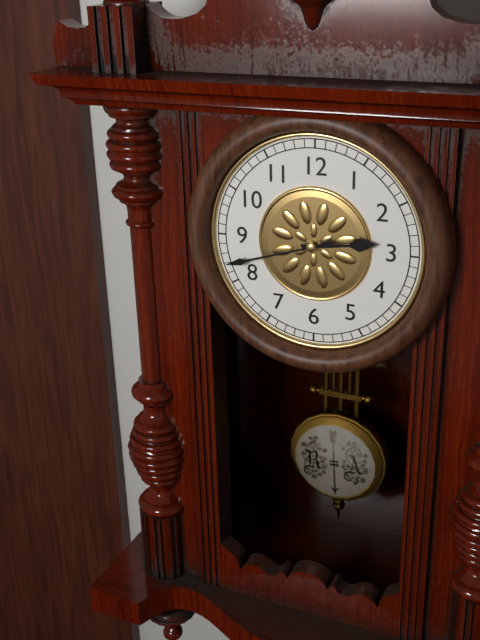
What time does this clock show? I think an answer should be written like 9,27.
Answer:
2,42
